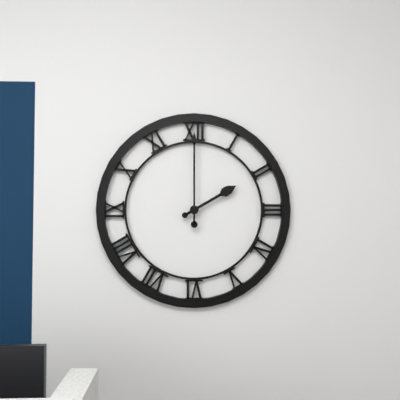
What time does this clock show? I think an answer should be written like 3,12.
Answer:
2,00
